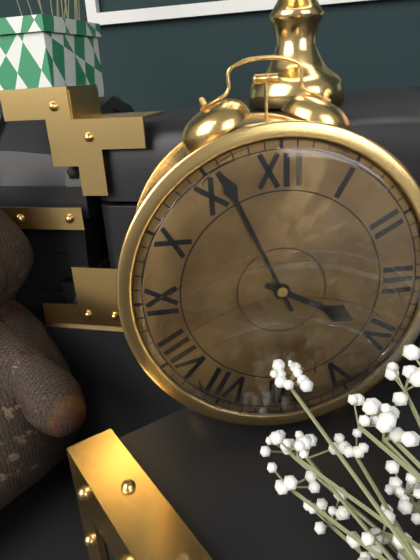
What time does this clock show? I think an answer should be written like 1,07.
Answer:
3,56
